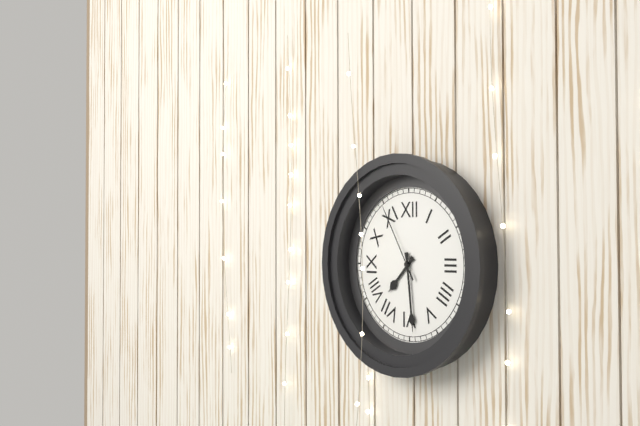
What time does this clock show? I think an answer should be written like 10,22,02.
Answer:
7,29,55
